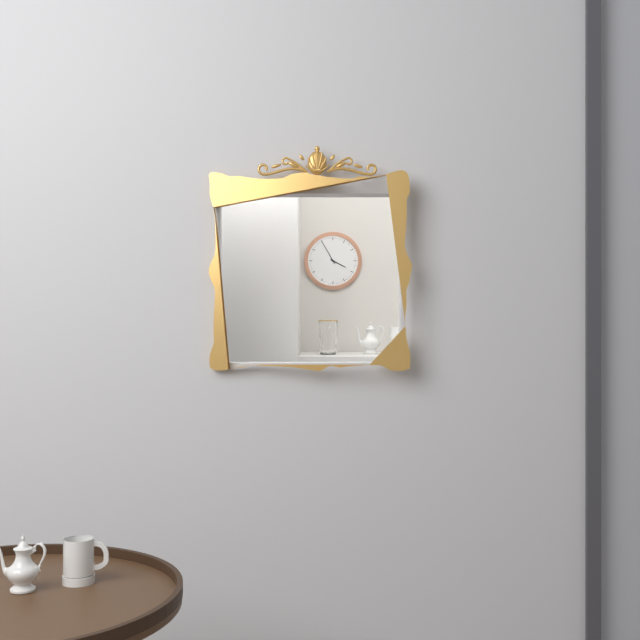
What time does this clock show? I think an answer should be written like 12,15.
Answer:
3,55
